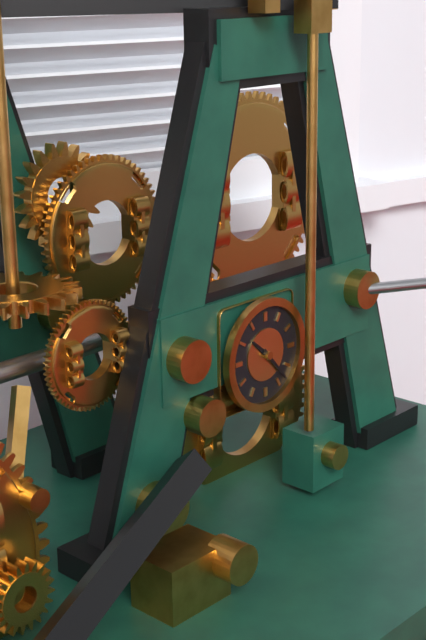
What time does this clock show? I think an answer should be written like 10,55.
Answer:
10,23
